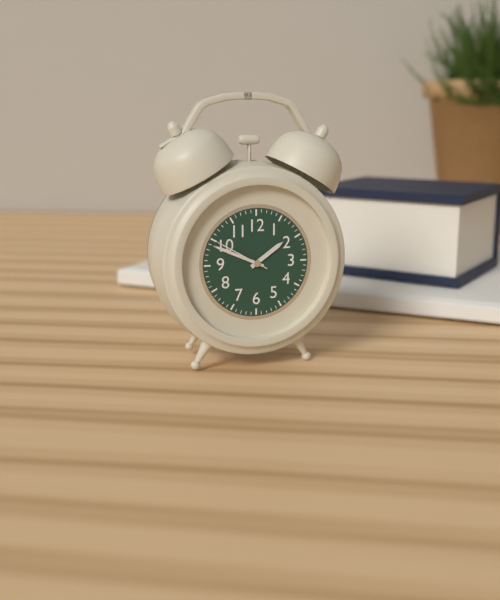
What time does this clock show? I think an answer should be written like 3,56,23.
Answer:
1,49,50
